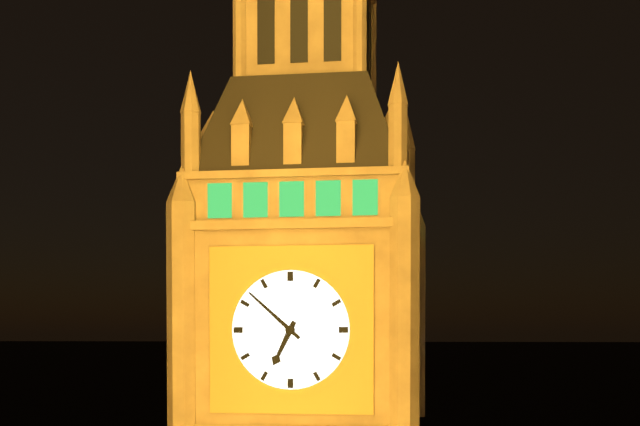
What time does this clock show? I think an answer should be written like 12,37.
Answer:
6,52
